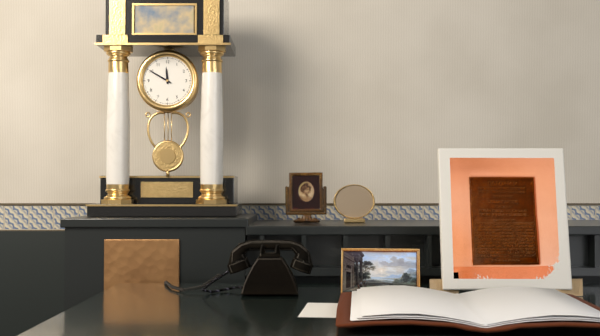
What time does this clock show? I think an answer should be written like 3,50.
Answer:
11,50
